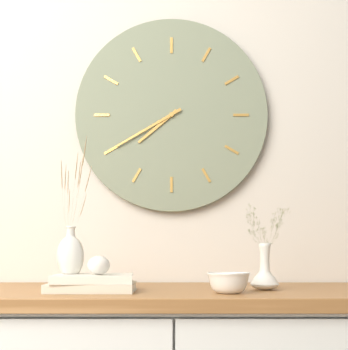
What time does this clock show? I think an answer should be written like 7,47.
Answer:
7,40
